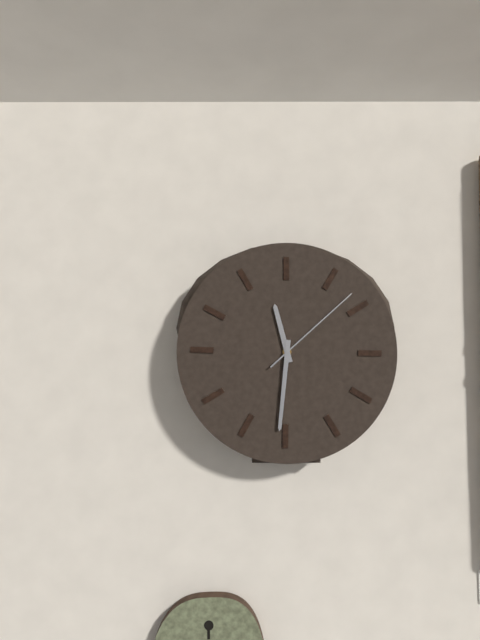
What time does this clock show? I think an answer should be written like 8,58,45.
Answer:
11,31,08
